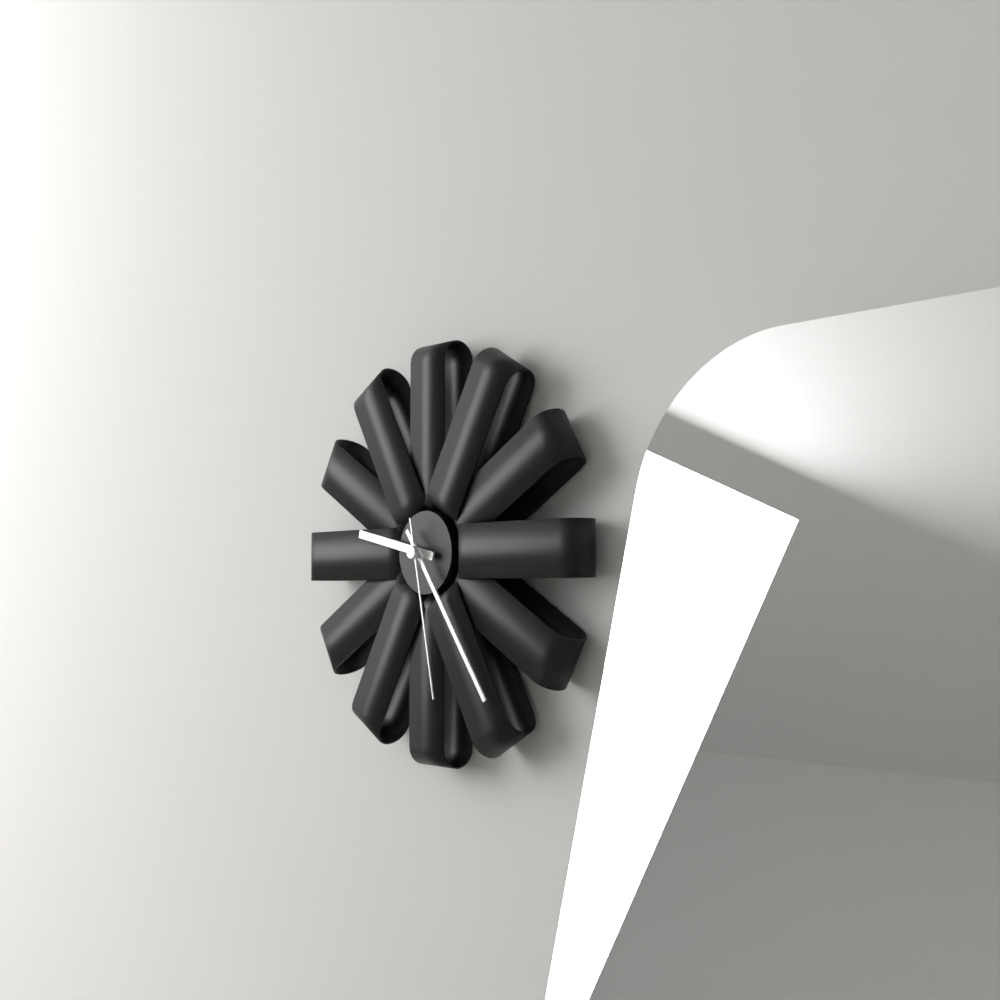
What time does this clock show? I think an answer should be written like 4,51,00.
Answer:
9,24,28
